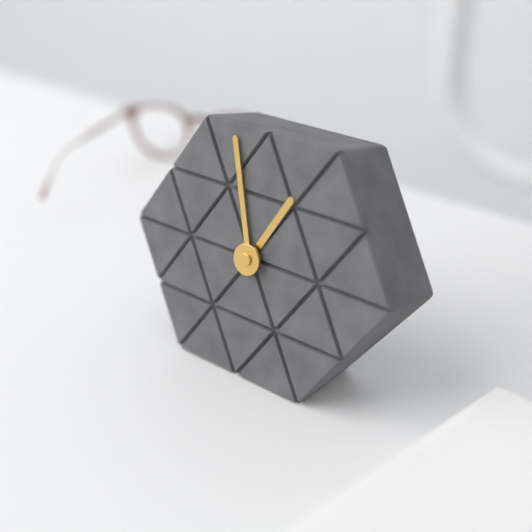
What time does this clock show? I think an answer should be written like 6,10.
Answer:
12,57
